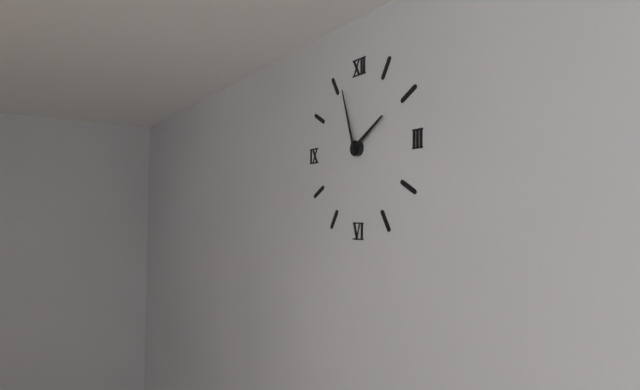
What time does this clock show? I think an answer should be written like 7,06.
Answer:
1,57
